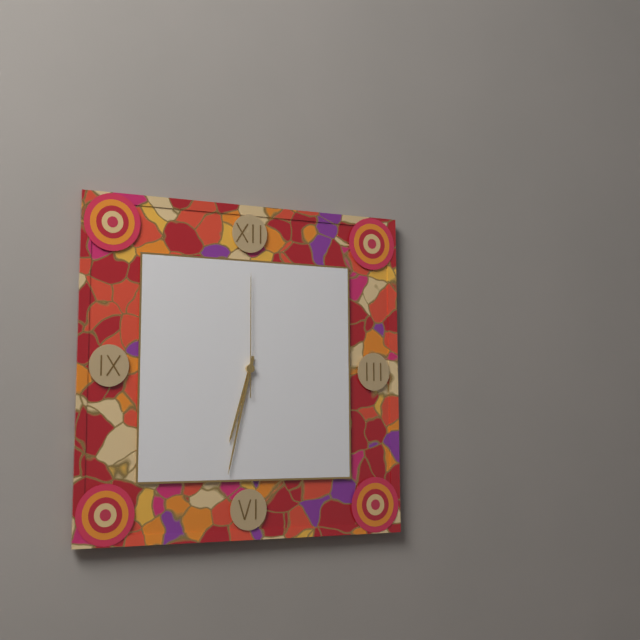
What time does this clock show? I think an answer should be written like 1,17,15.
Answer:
6,32,00
